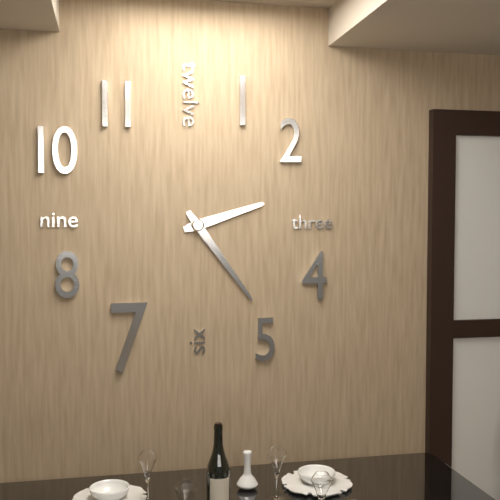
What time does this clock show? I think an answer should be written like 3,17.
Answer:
2,24
